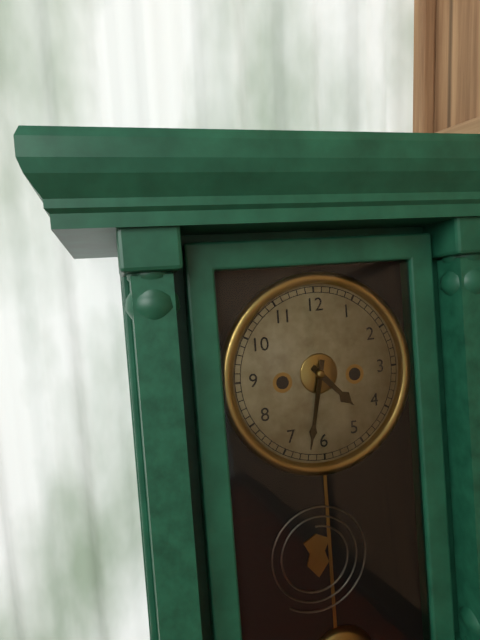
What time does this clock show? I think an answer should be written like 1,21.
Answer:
4,32
